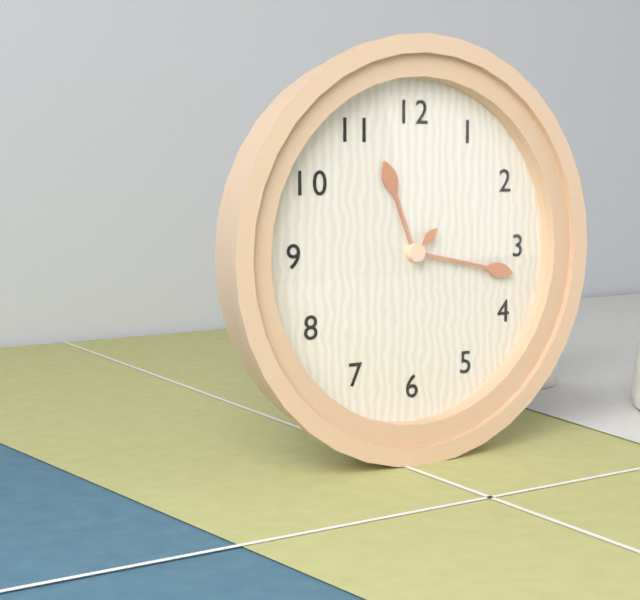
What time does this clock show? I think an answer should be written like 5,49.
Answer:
11,17
